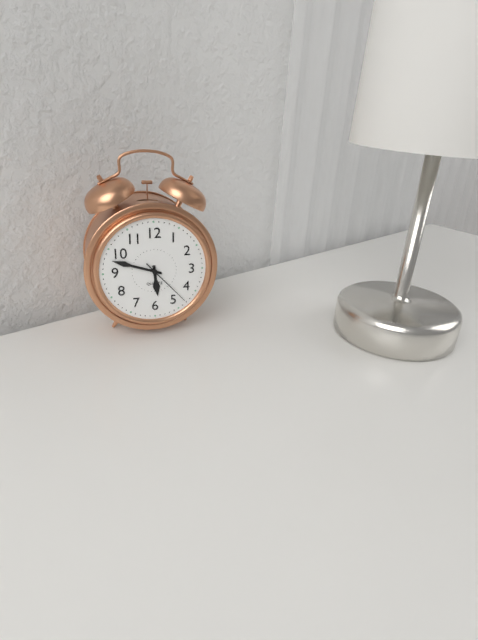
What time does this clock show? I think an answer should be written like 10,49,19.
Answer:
5,48,23
